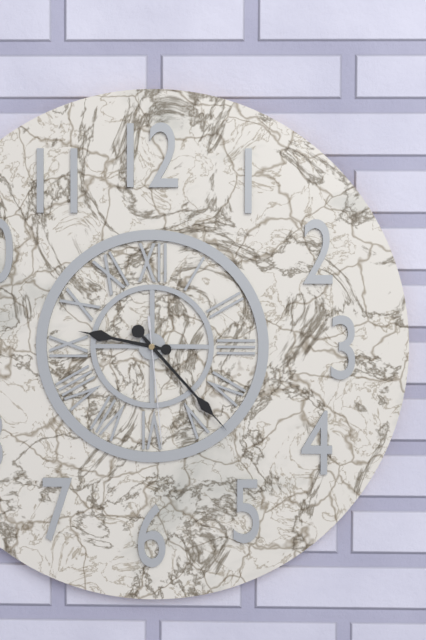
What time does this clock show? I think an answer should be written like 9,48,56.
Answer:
9,23,29
